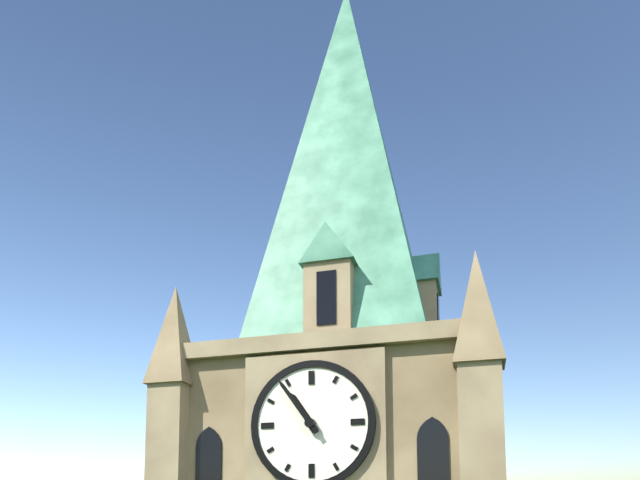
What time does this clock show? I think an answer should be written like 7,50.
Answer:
10,54
